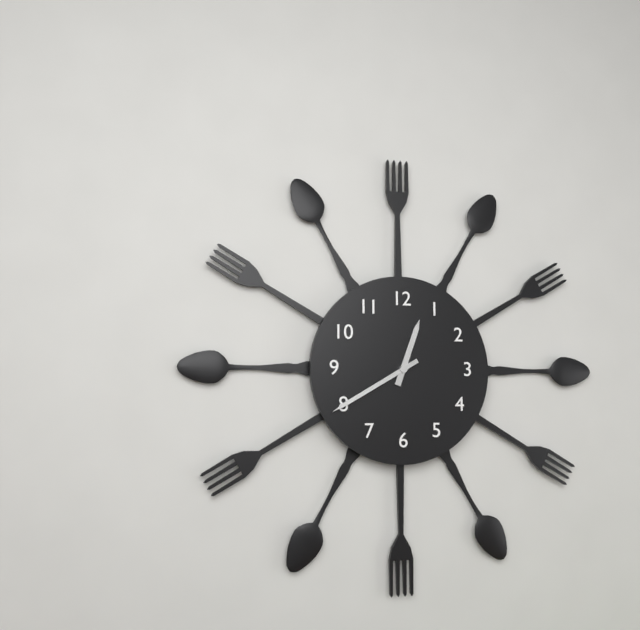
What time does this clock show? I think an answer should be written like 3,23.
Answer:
12,40
